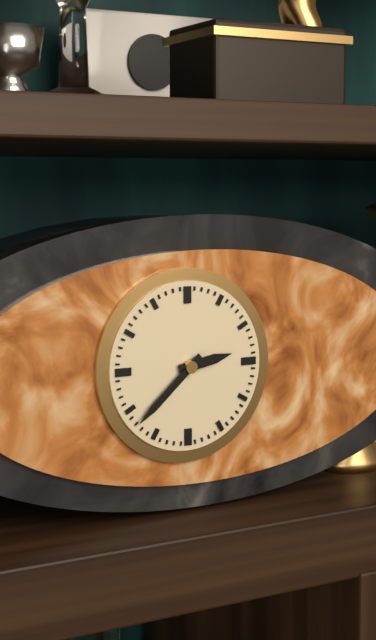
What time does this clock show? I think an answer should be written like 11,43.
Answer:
2,38
